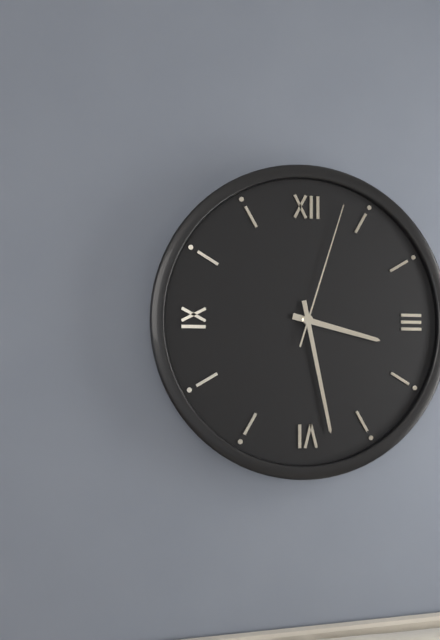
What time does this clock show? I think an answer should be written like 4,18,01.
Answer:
3,28,03
